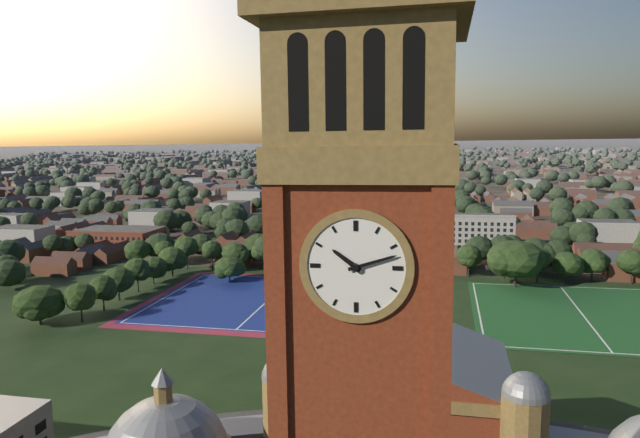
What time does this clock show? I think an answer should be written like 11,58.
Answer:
10,12
